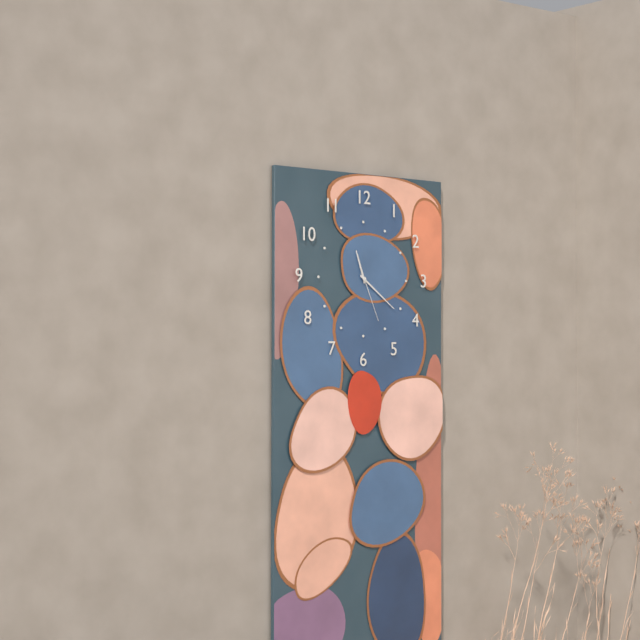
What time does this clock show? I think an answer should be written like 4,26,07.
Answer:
11,21,26
